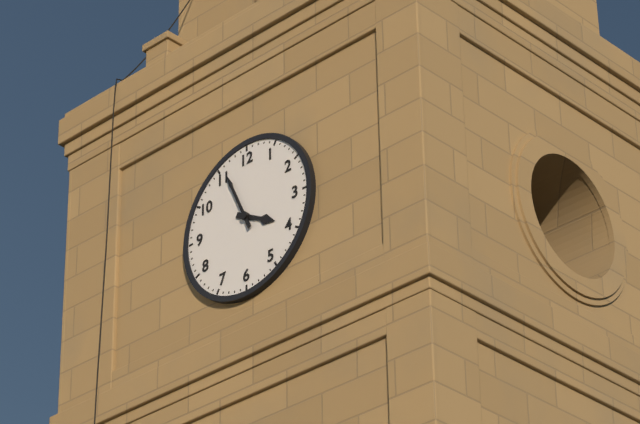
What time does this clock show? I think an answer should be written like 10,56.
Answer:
3,56
